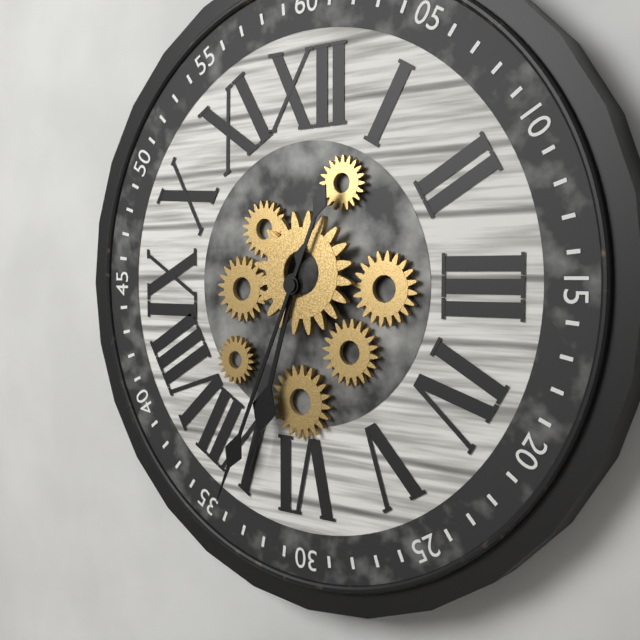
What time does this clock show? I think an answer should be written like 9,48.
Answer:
6,34
